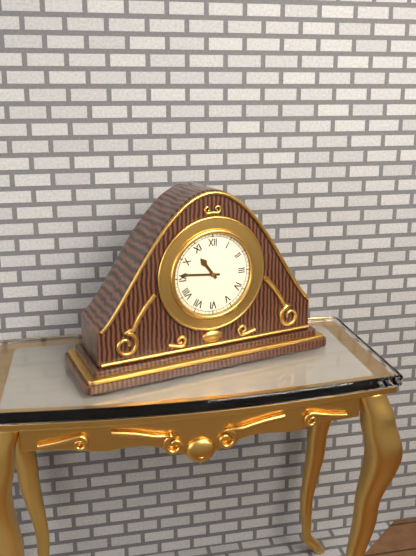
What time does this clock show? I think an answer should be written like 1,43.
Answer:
10,46
